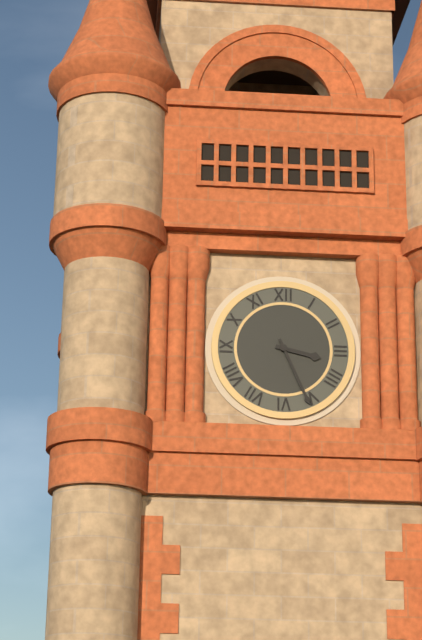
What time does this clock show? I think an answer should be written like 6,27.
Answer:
3,26
